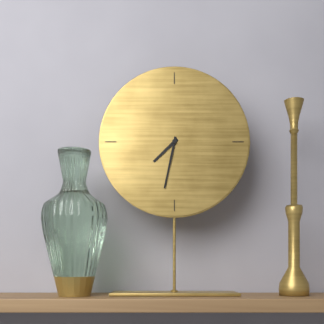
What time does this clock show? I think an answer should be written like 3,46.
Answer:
7,32
